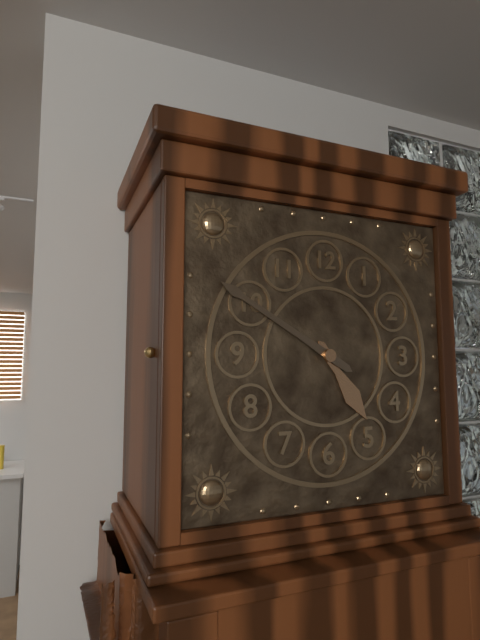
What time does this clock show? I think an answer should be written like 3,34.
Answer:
4,50
